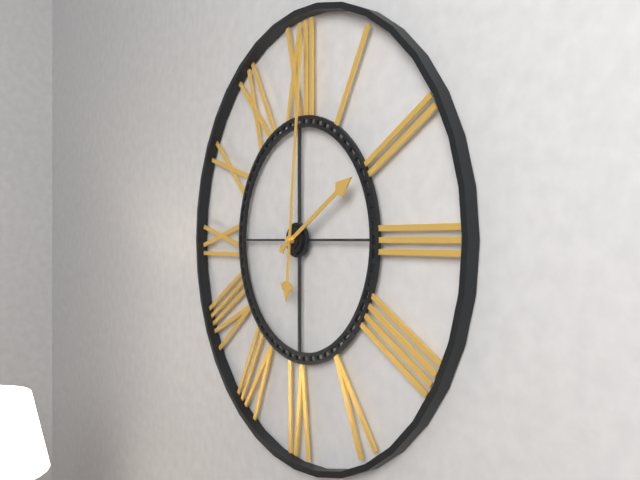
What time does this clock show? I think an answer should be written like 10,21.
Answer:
2,01
